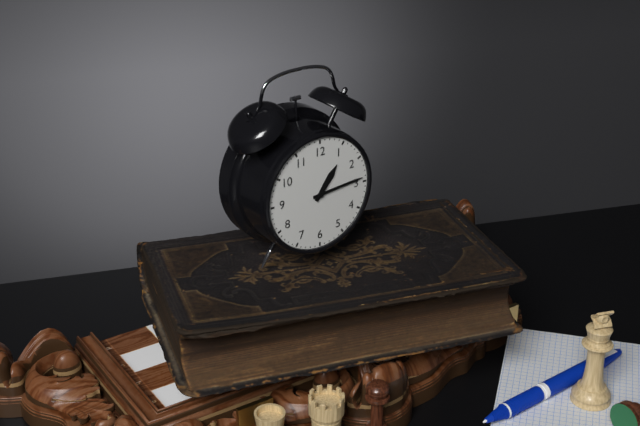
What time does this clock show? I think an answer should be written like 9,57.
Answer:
1,14
